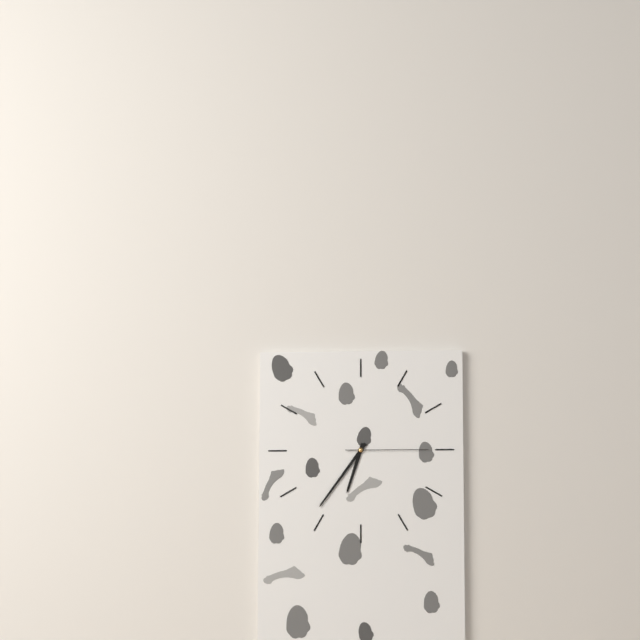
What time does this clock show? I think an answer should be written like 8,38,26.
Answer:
6,36,15
